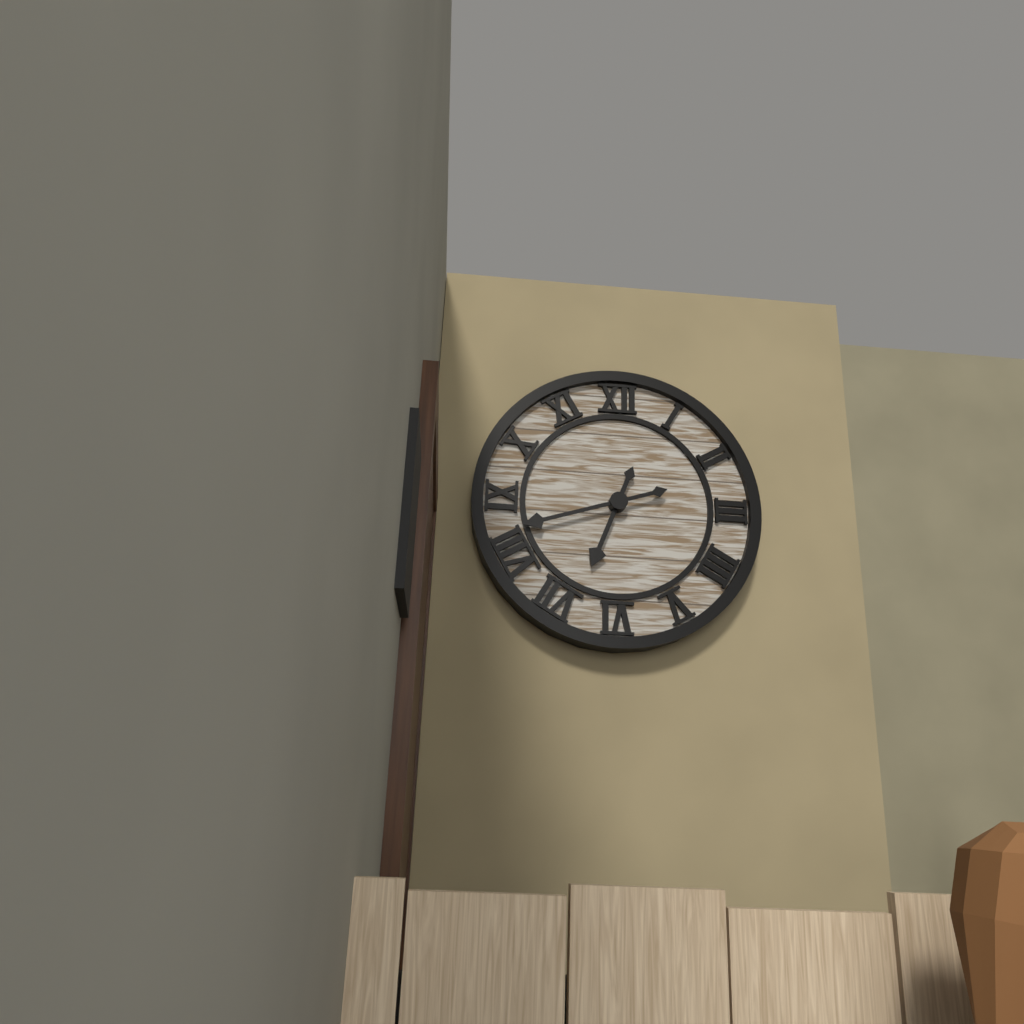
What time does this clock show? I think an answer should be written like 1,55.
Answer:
6,42
